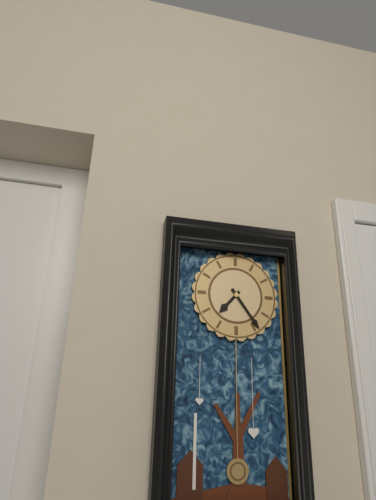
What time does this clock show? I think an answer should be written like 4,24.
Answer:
7,24
